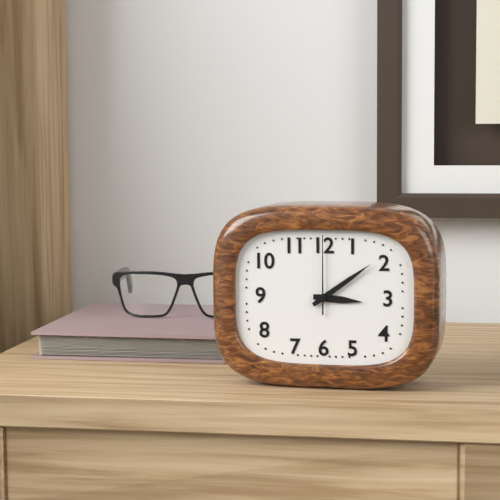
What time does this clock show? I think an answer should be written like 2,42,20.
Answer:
3,09,00
